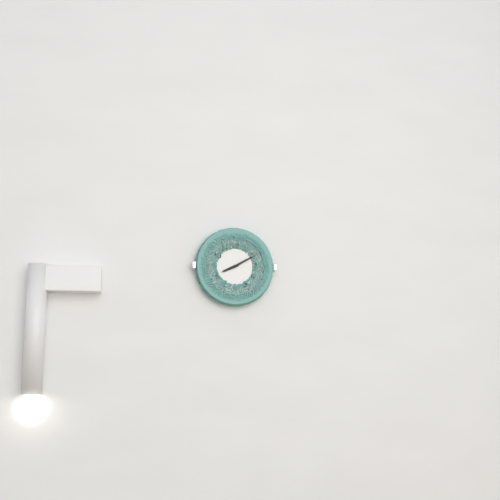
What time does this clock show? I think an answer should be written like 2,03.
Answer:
8,10
